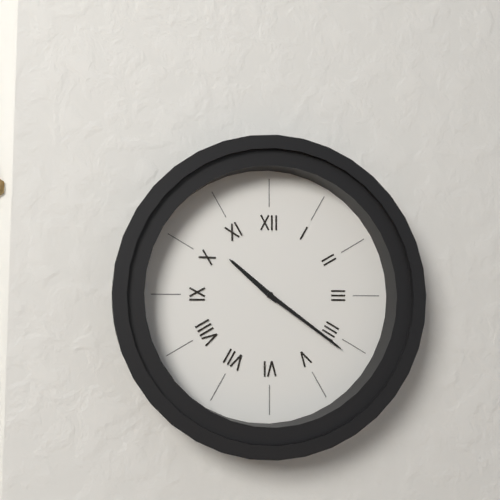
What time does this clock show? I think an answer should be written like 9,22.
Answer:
10,21
